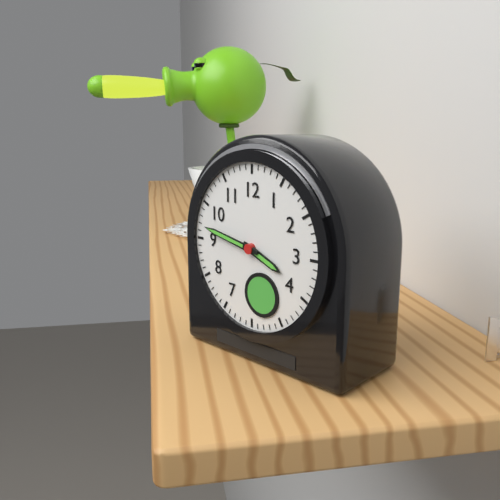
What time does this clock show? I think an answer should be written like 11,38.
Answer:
3,47
